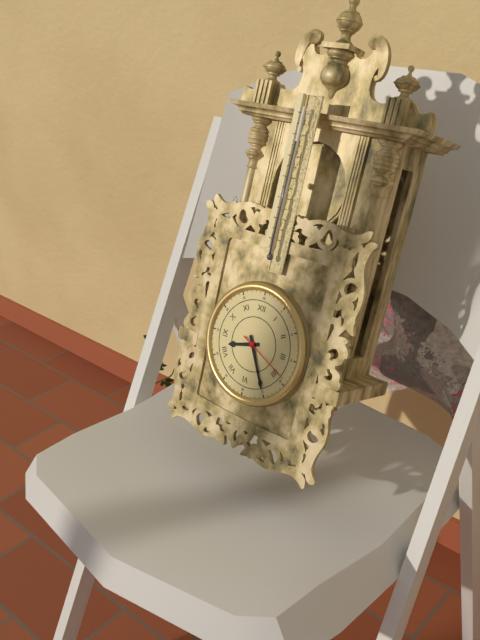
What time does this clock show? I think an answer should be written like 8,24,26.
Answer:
8,25,19
